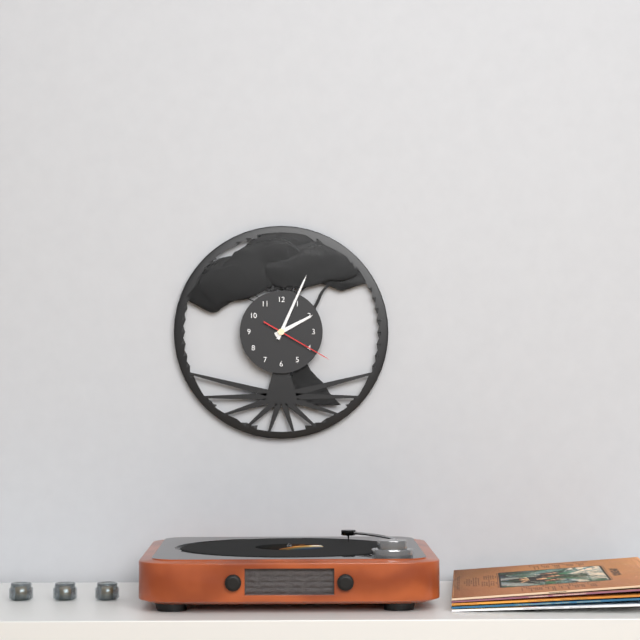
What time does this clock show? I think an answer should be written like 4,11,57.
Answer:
2,04,20
